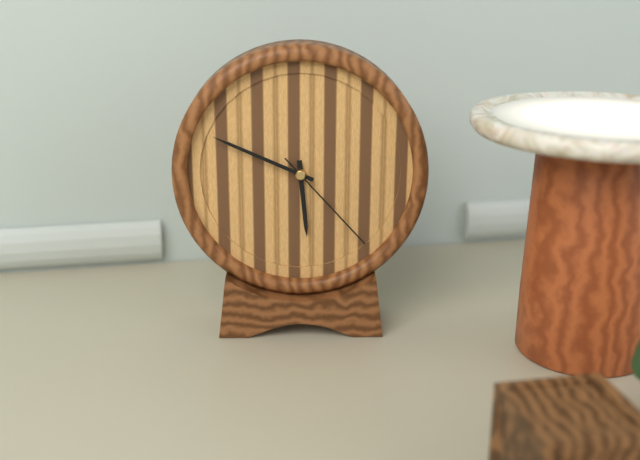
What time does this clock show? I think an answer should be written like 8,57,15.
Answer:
5,49,23
